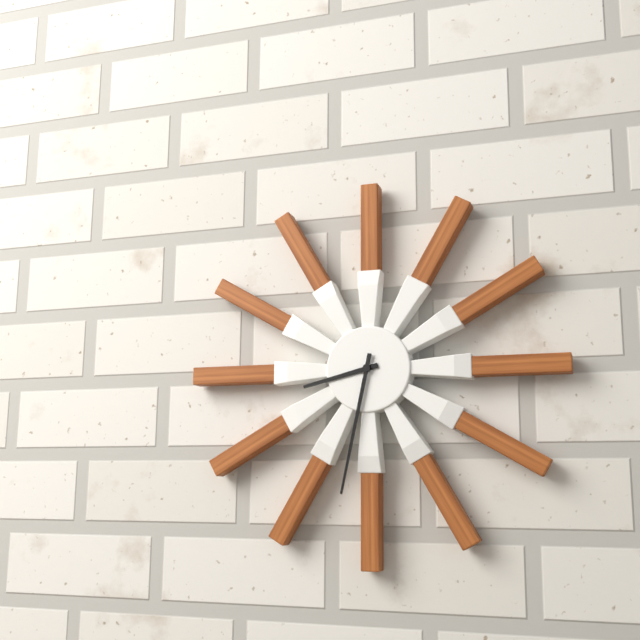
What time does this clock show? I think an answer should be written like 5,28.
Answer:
8,32
